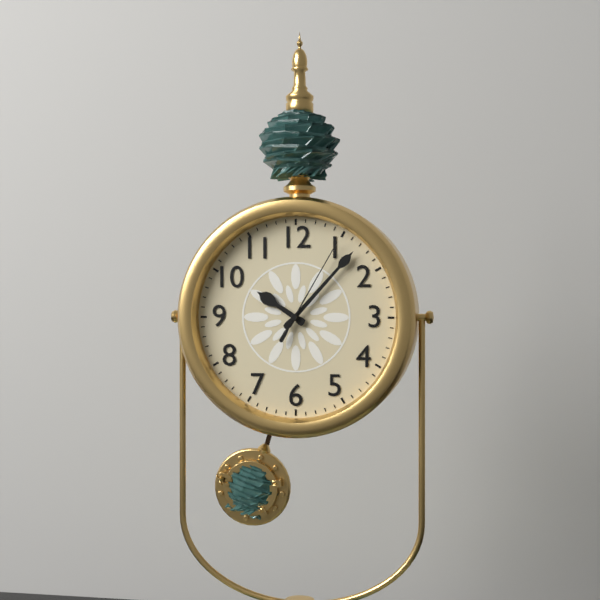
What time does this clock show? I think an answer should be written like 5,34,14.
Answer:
10,07,05
